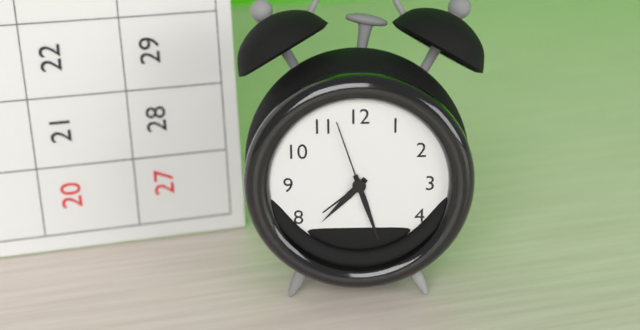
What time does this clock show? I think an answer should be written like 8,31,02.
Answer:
7,27,57
